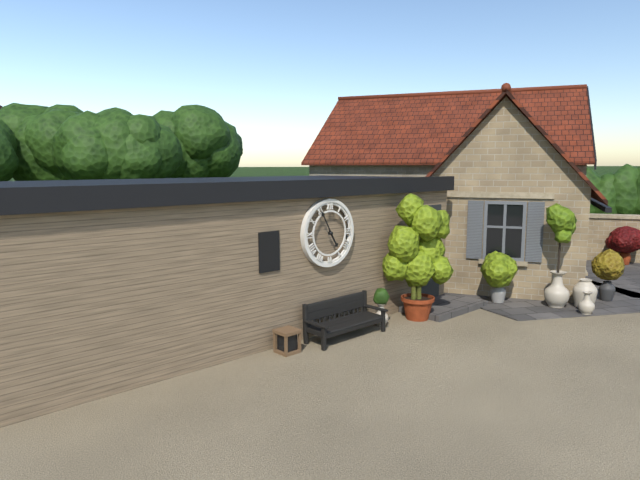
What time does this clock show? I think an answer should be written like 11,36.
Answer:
4,55
